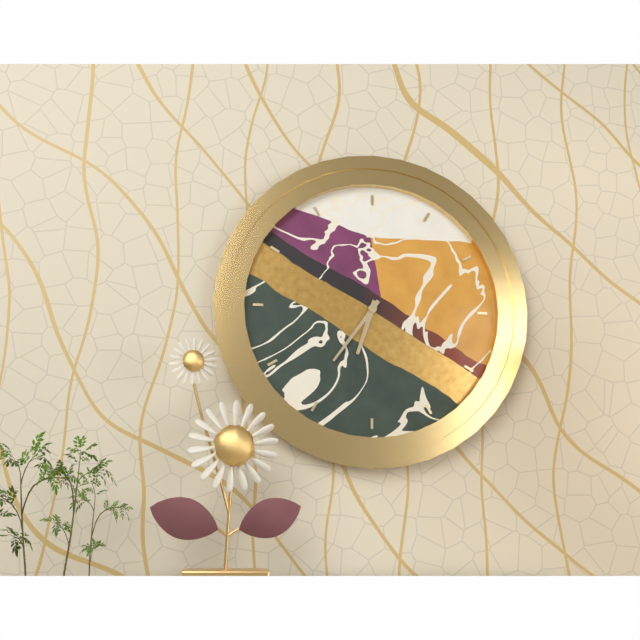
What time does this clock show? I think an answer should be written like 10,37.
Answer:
6,36
